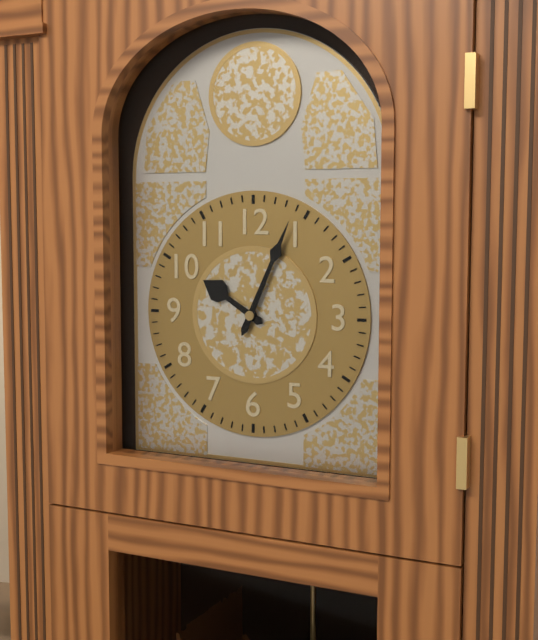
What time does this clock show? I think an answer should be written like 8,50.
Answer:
10,04
